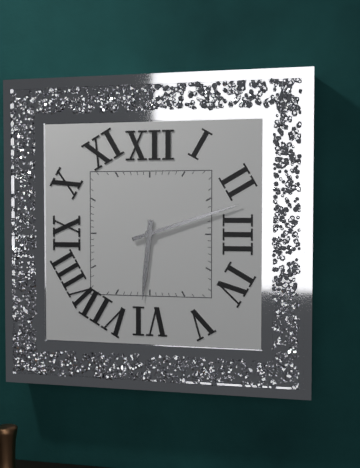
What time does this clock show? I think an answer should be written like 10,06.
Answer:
6,12
